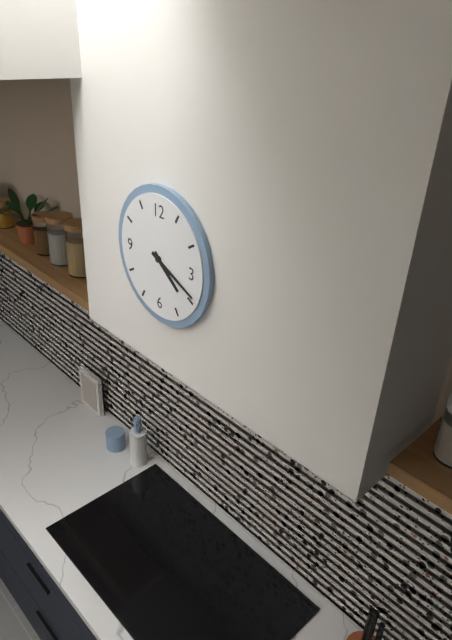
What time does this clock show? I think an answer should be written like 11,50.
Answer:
4,19
